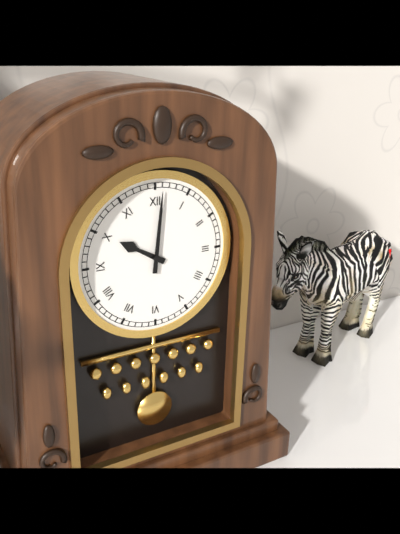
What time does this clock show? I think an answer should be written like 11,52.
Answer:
10,01
